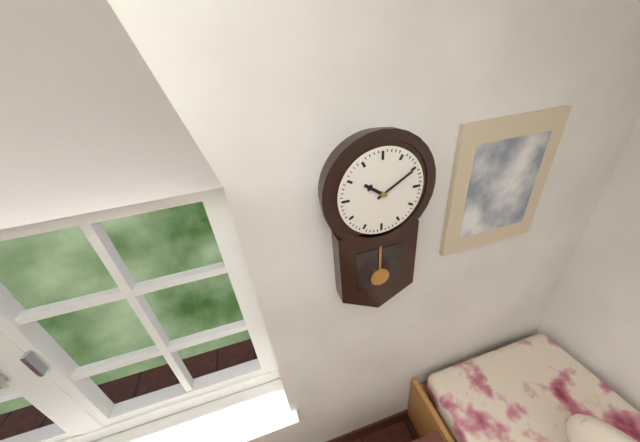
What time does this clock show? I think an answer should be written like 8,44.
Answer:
10,10
